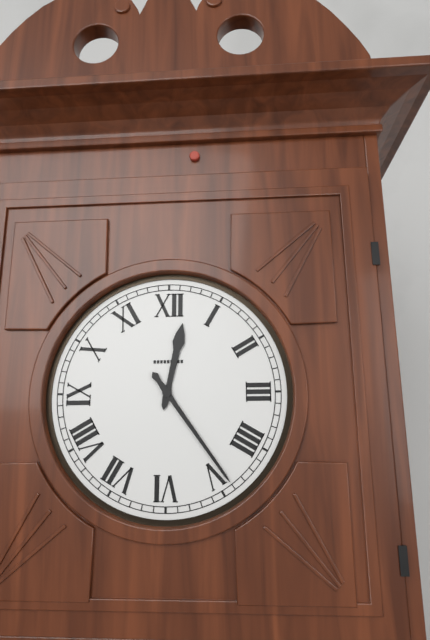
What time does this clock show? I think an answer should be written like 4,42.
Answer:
12,24
